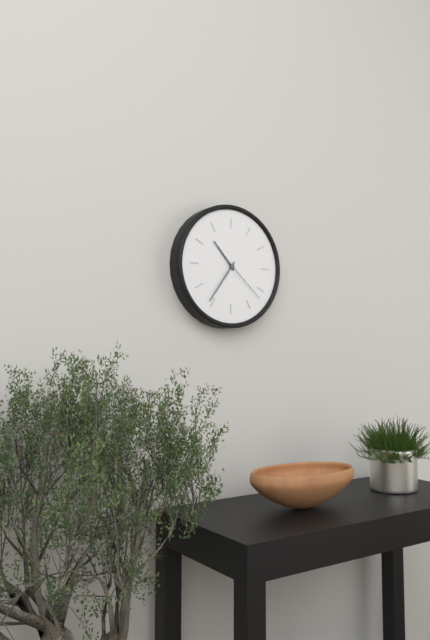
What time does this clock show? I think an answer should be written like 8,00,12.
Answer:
10,36,22
